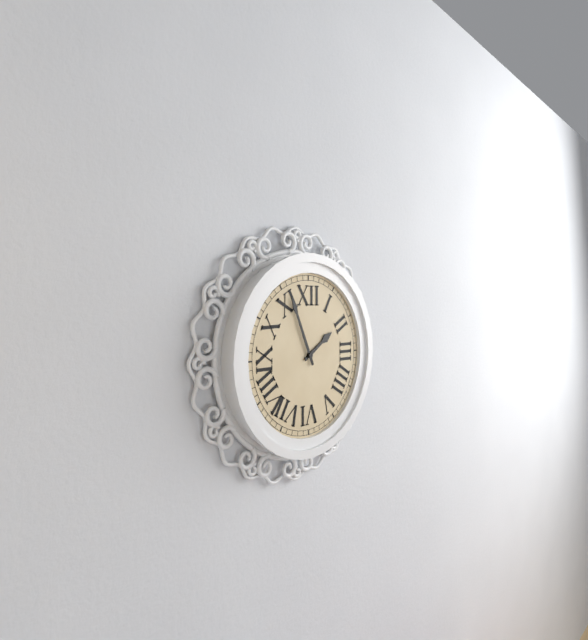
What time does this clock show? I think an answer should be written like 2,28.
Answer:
1,56
